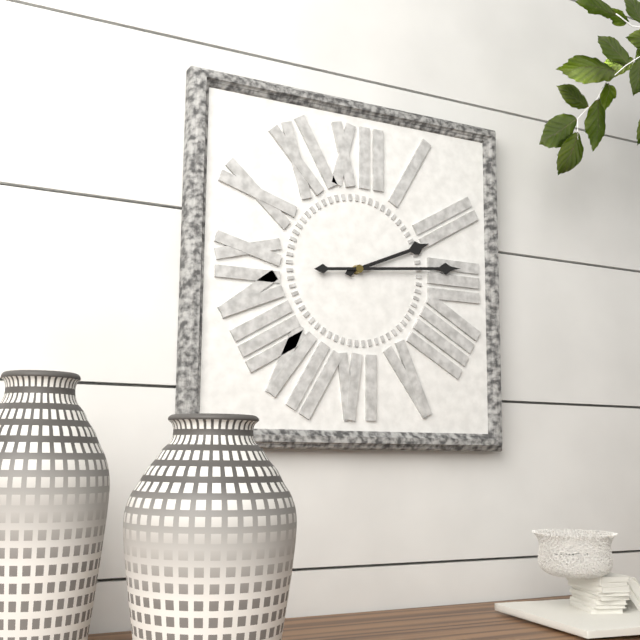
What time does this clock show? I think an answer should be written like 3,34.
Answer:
2,14
